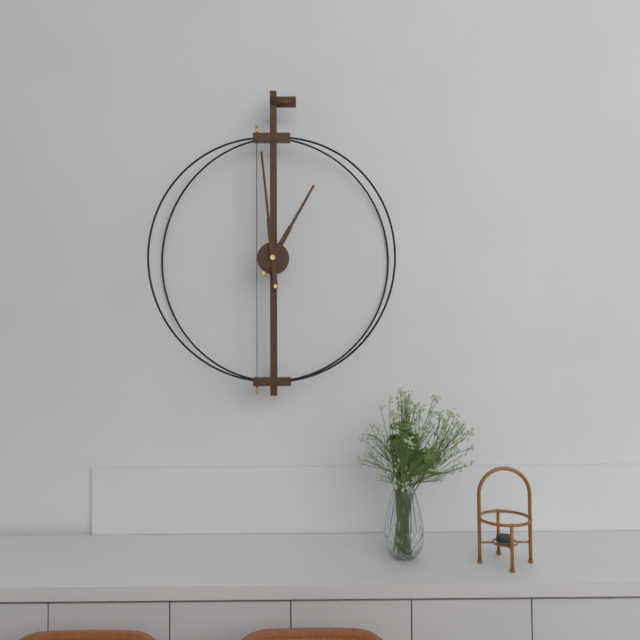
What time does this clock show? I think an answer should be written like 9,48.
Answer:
12,59
